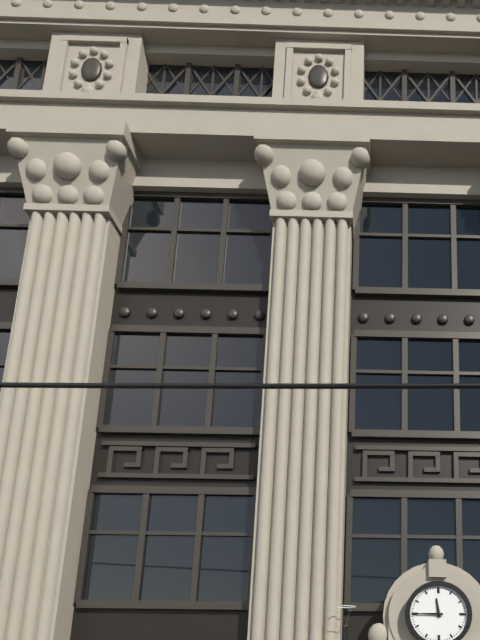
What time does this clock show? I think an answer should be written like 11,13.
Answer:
11,45
